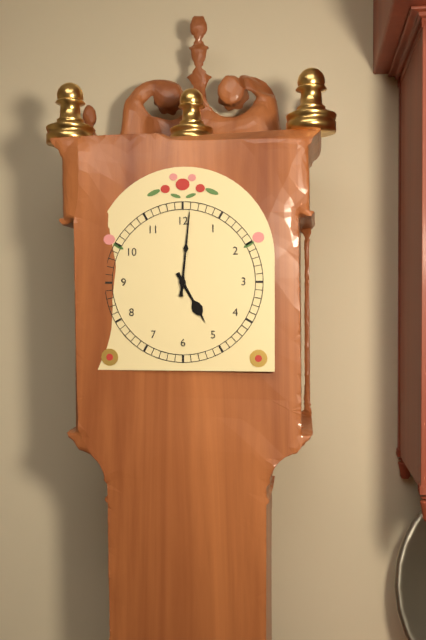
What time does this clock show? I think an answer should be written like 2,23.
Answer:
5,01
